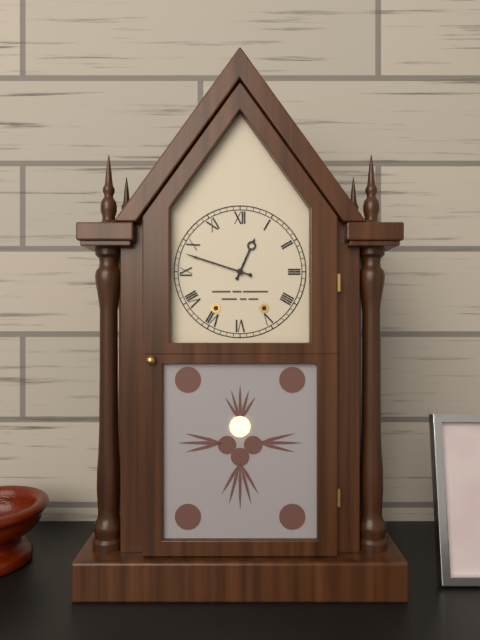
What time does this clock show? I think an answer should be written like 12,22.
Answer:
12,48
